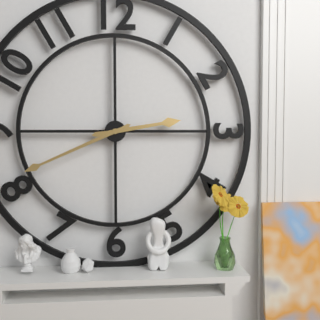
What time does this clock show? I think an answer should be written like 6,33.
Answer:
2,41
